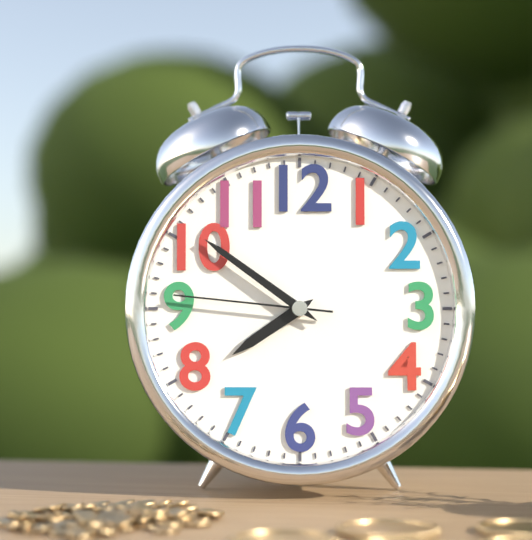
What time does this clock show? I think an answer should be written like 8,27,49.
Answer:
7,51,46
